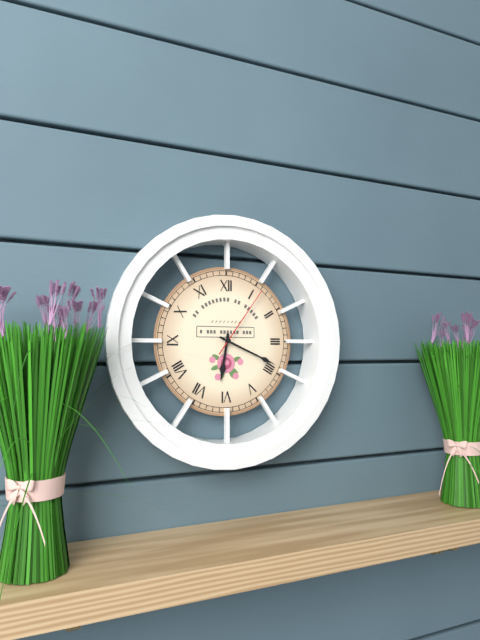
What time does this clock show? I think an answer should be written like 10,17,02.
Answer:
6,19,06
